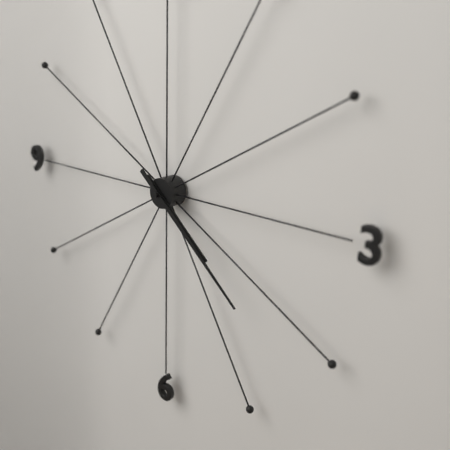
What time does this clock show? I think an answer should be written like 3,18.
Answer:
4,22
